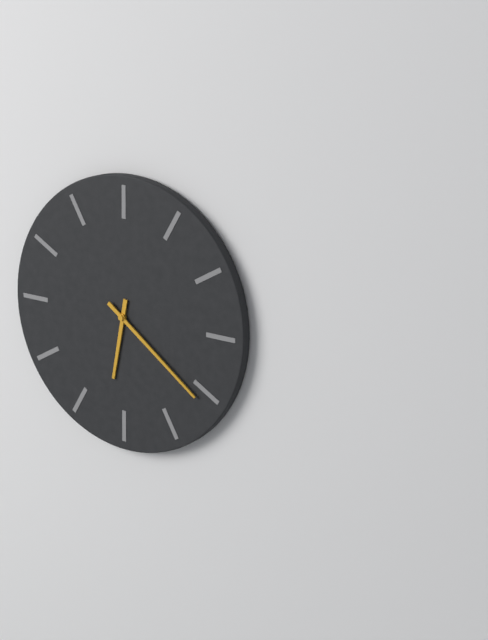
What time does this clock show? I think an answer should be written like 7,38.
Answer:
6,21
